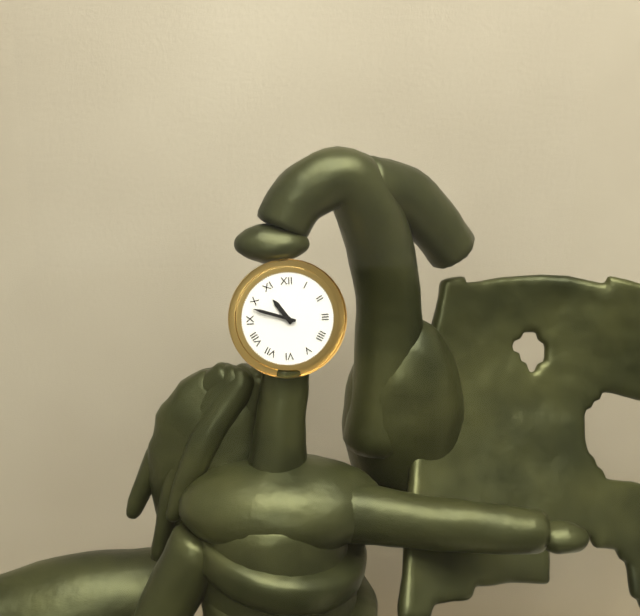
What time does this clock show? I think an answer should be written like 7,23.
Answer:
10,48
